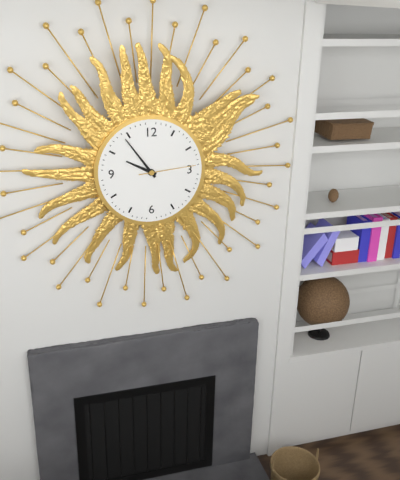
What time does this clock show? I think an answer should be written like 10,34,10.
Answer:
9,54,14
